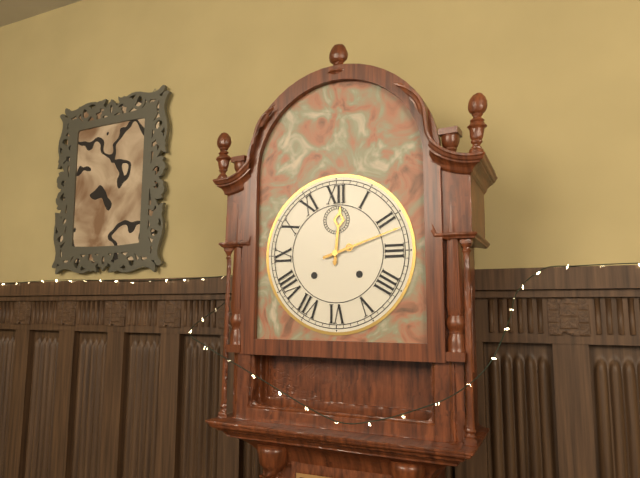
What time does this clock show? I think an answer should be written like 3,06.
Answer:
12,12
